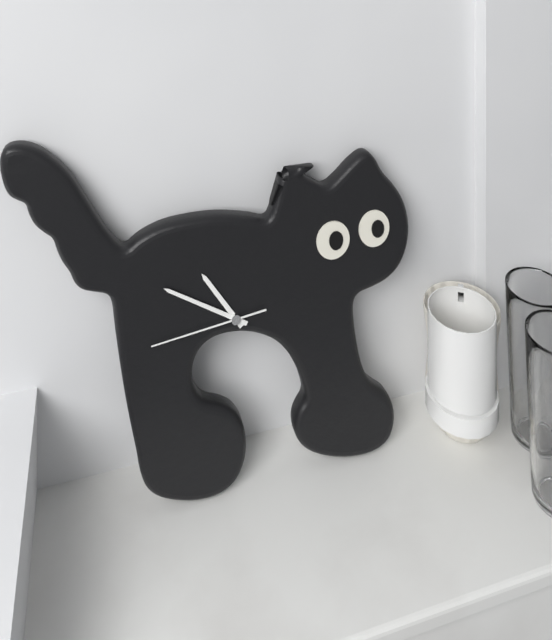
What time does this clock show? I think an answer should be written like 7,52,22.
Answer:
10,50,44
